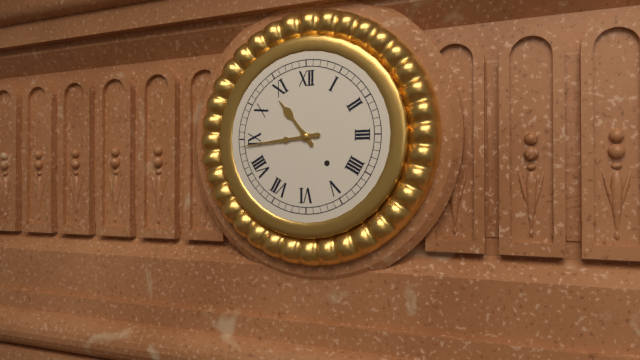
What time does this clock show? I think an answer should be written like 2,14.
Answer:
10,44
